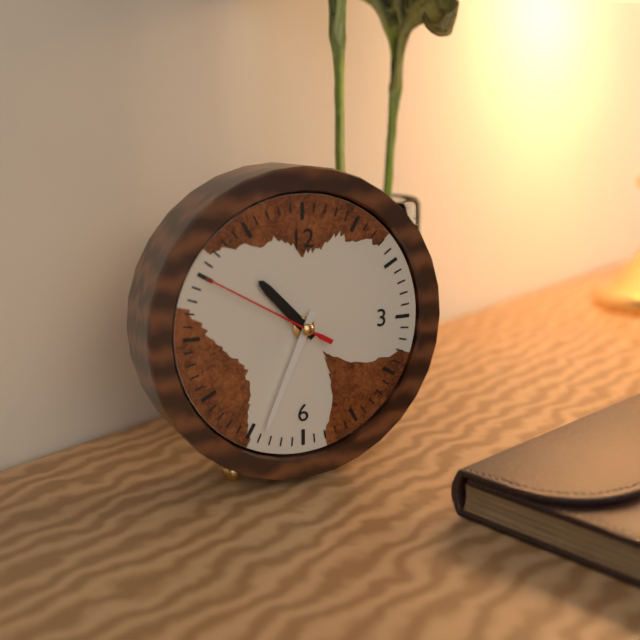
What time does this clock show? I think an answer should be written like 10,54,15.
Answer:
10,34,50
